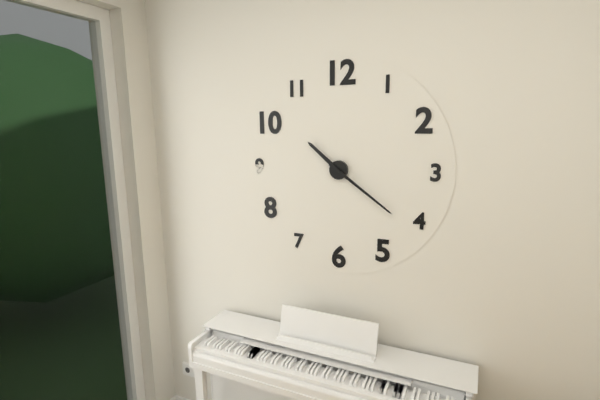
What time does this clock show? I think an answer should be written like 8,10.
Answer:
10,21
